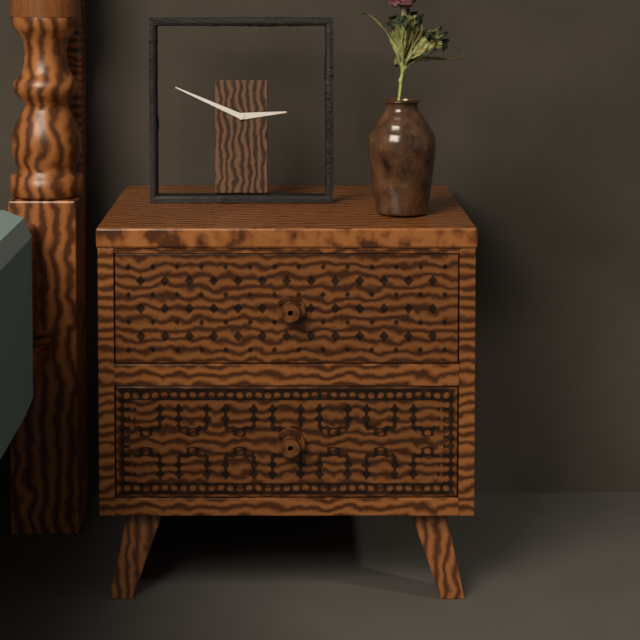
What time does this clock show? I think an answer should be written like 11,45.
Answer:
2,49
